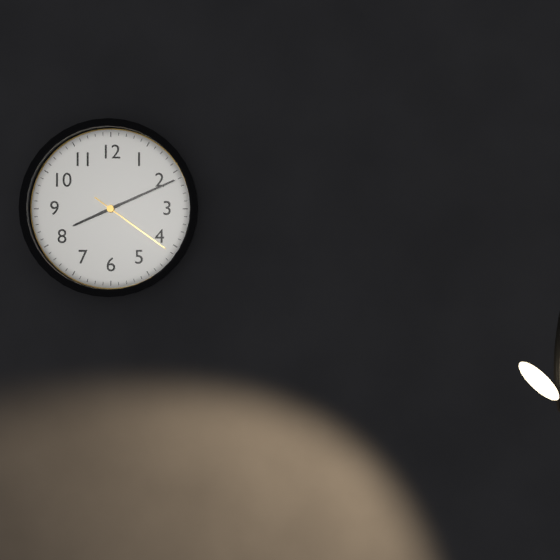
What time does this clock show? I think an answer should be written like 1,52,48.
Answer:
8,11,21
